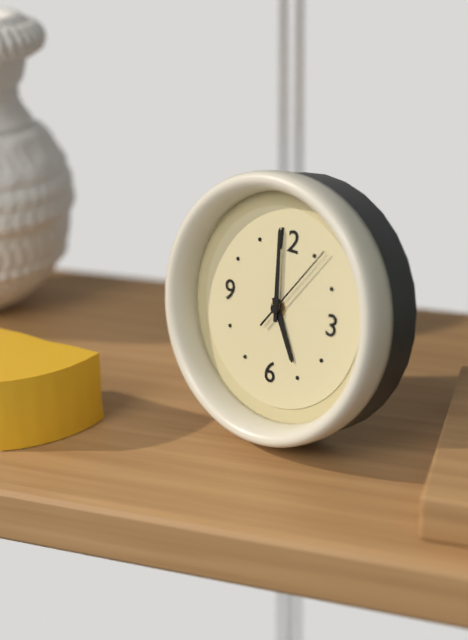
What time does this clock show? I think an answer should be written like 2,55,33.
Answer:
4,59,06
